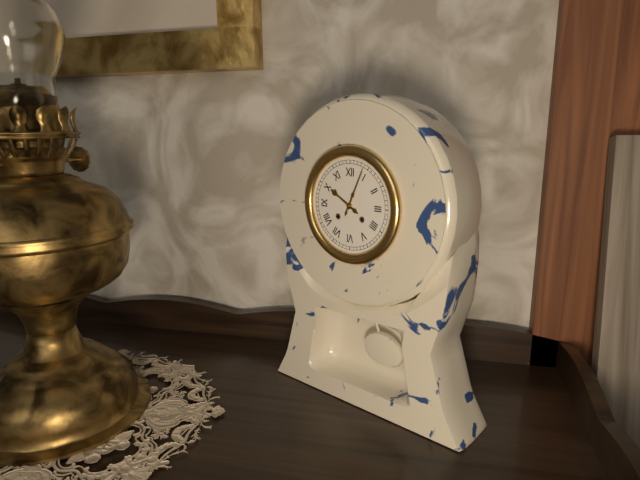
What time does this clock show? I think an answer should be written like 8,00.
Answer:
10,04
